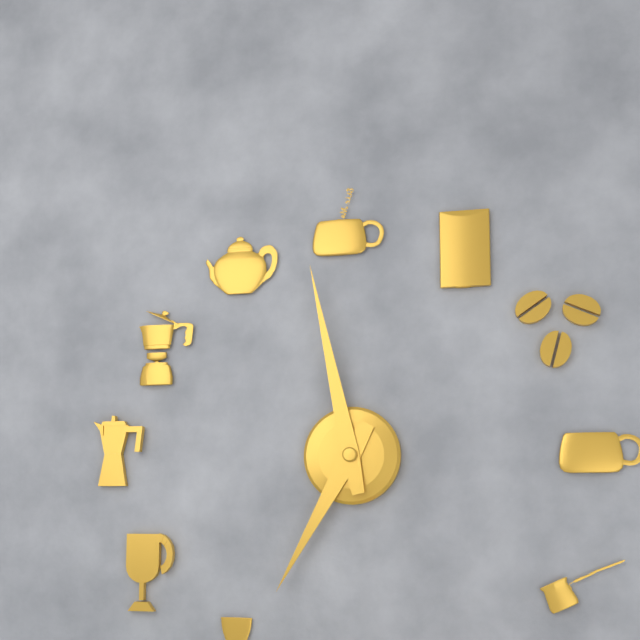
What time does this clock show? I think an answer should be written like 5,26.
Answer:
6,58
